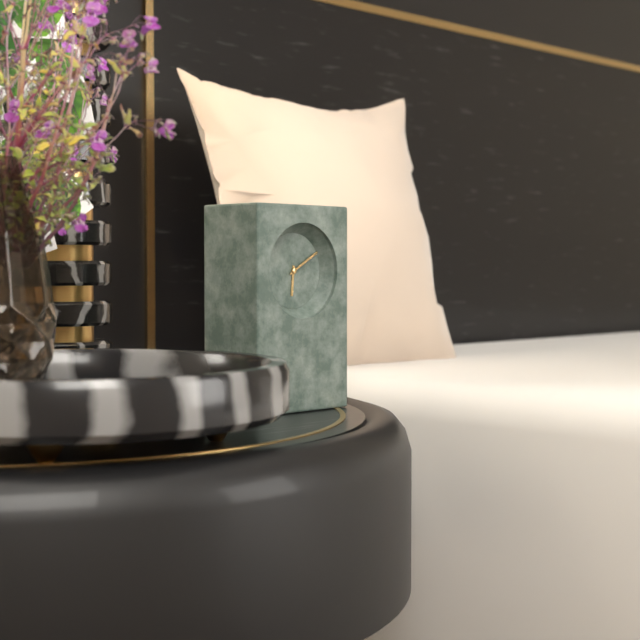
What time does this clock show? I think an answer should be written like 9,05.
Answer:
6,10
